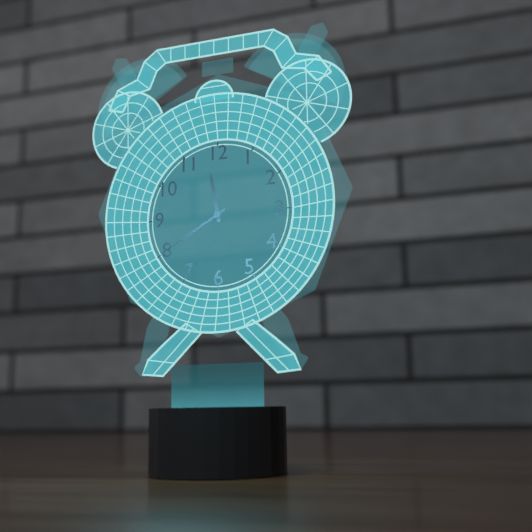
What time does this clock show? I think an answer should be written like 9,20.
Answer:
11,40
